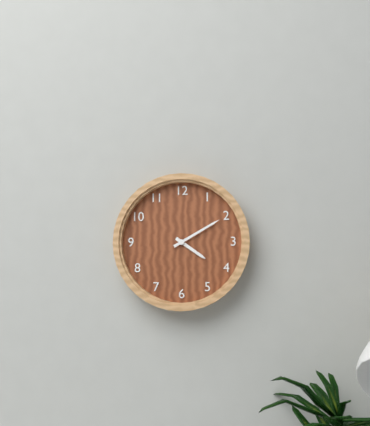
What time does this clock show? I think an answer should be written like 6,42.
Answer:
4,10
